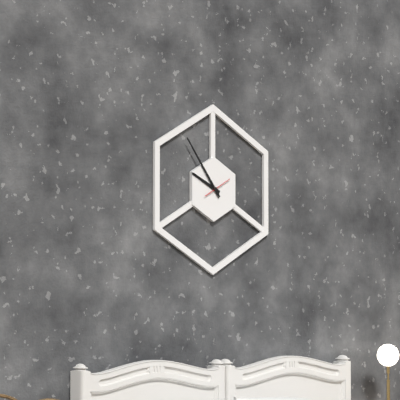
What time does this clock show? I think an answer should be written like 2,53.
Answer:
9,54
